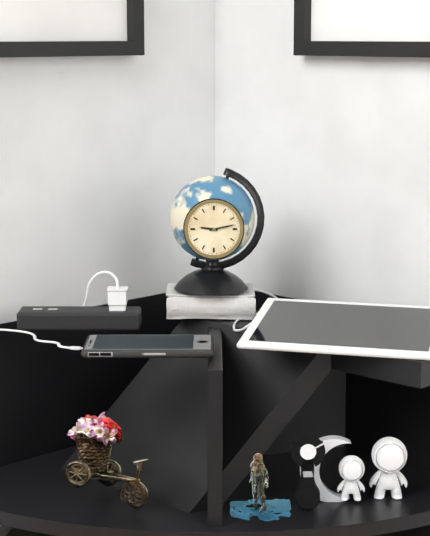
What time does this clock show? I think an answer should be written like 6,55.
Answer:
9,13
